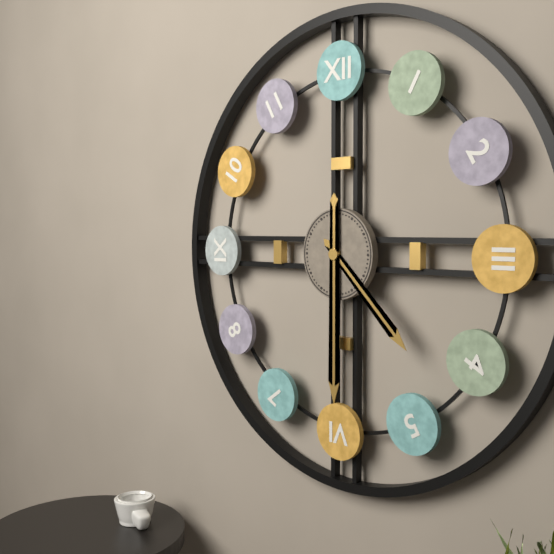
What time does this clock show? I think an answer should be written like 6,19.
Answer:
4,30
